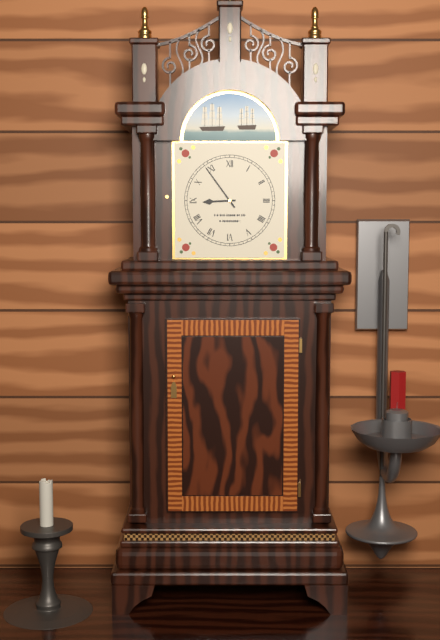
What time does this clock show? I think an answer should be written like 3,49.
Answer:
8,54
